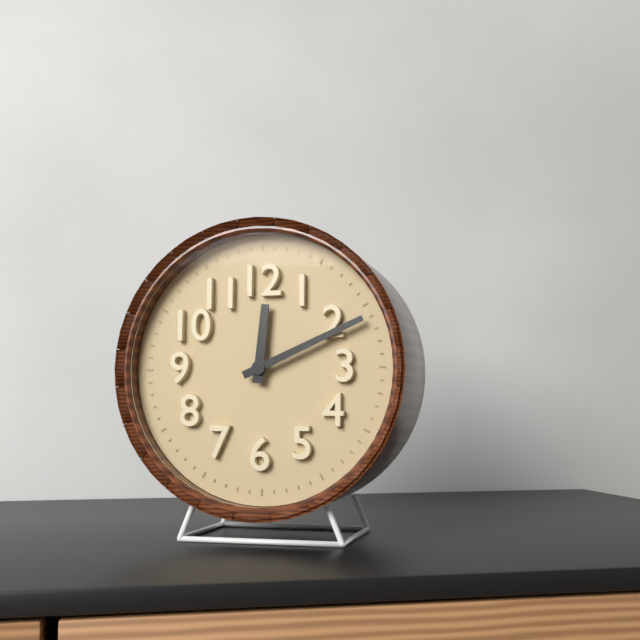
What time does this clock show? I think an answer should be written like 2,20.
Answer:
12,11
